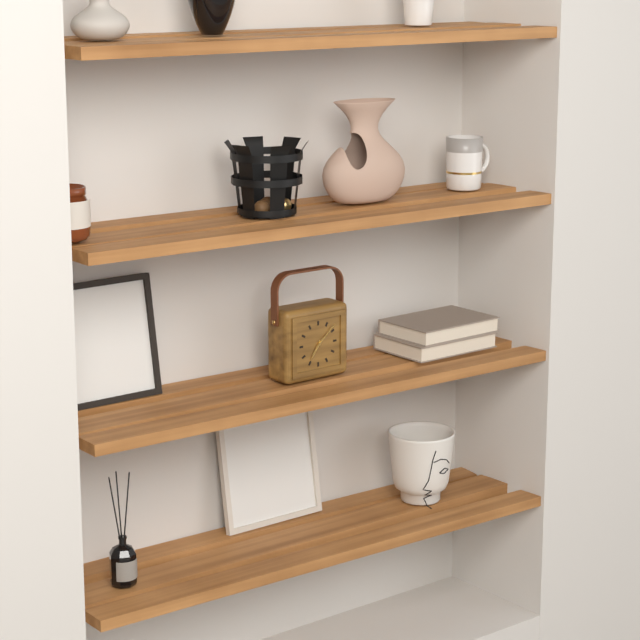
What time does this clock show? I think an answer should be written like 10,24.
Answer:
7,08
